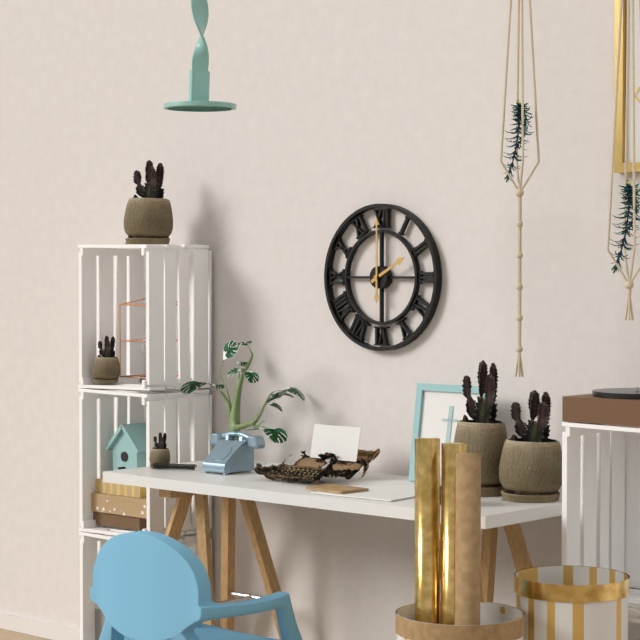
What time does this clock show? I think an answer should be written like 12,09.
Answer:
2,00
